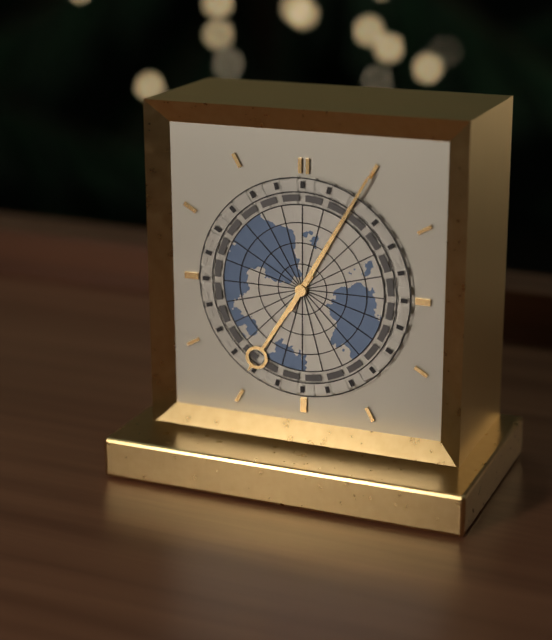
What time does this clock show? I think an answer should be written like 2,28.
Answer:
7,05
